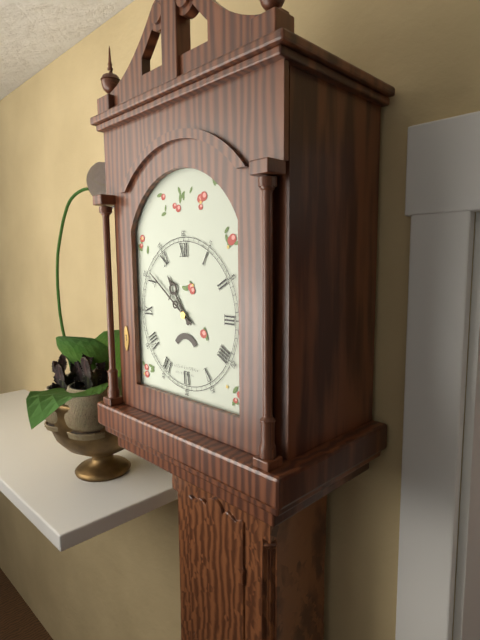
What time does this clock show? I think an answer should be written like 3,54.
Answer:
10,51
